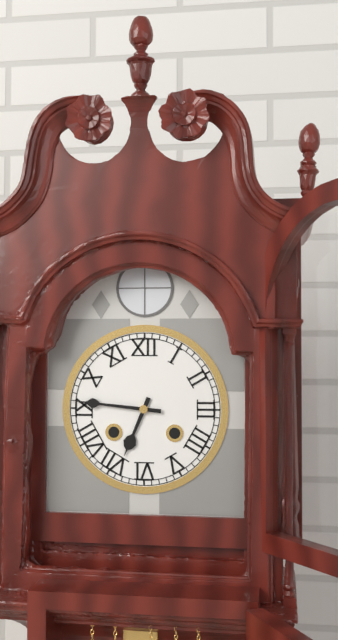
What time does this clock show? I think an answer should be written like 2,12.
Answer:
6,46
